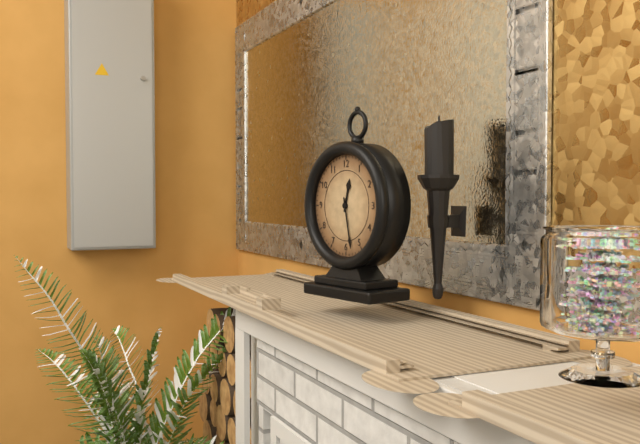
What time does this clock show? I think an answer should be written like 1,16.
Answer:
12,28
